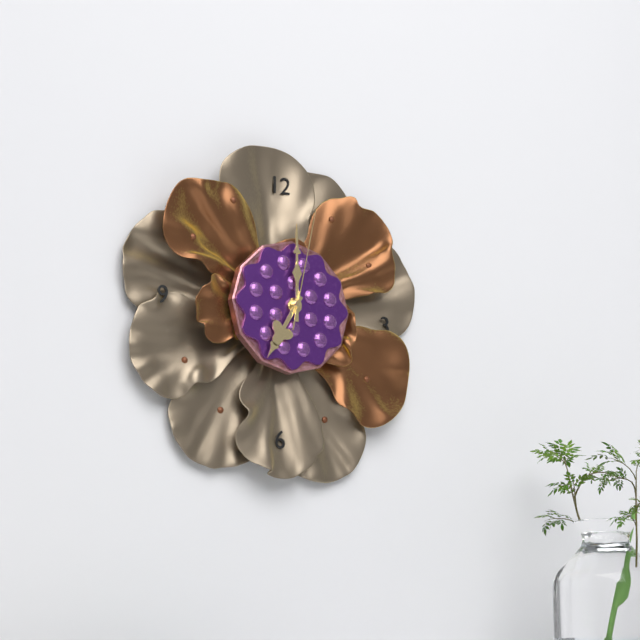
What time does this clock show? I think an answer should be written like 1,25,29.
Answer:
7,00,02
